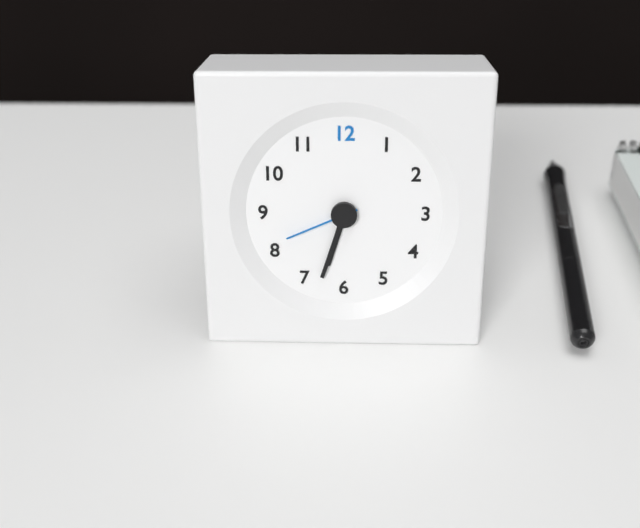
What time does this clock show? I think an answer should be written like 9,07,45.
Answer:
6,33,41
